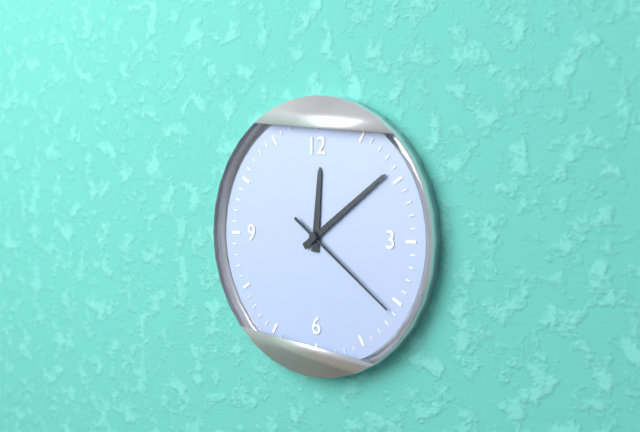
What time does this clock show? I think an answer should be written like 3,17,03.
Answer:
12,09,21
